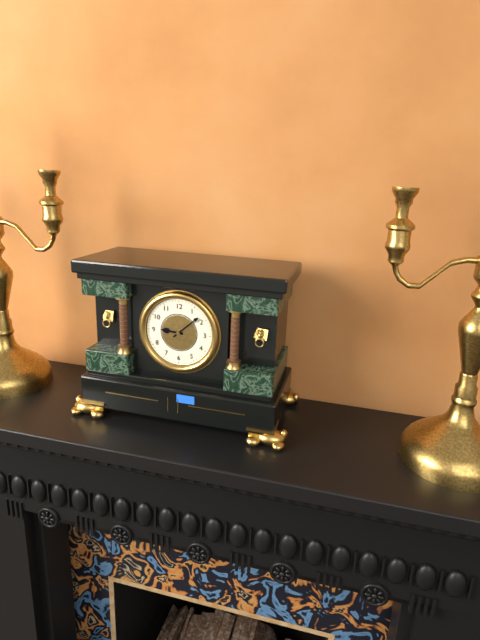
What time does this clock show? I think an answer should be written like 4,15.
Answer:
9,08
